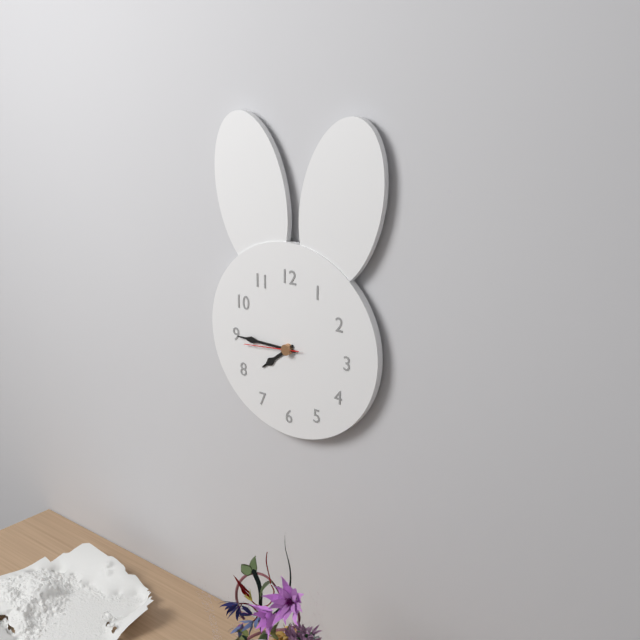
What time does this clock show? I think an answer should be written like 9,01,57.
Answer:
7,45,44
